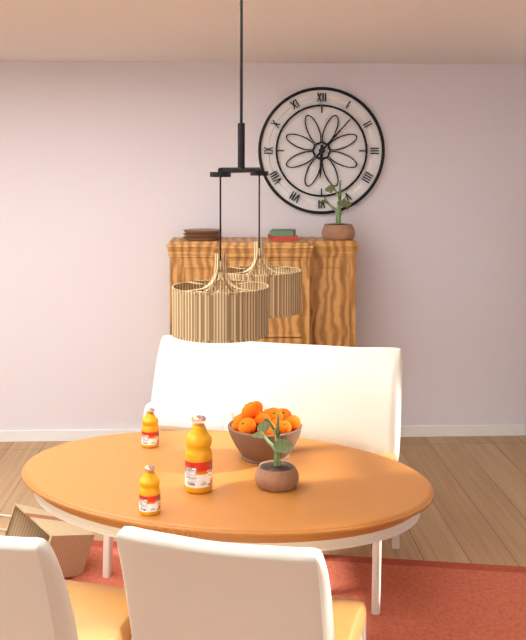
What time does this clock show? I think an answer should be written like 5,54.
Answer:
6,07
